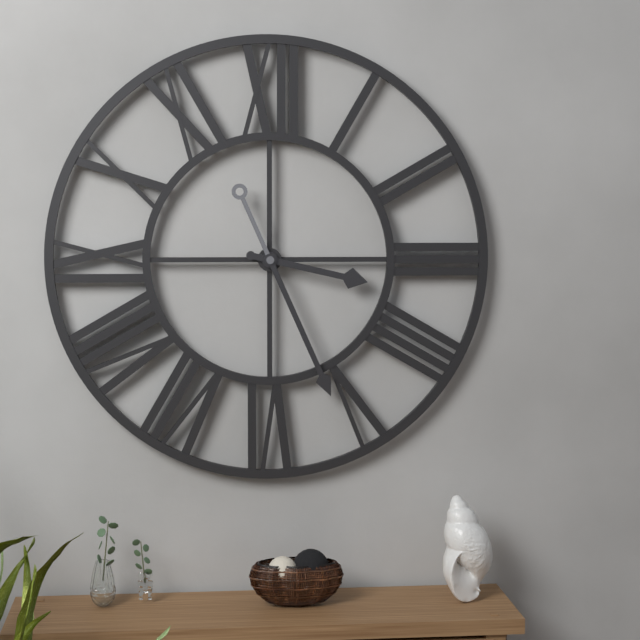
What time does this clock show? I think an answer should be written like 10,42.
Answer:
3,26
